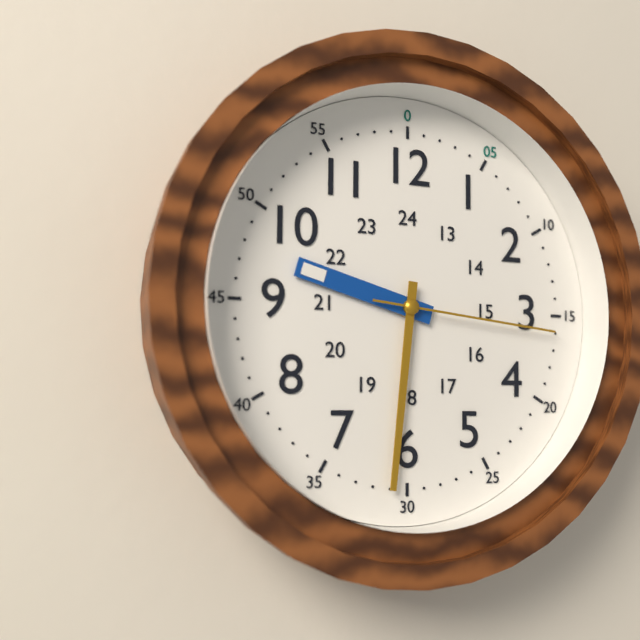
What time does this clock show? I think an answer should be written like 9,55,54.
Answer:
9,31,16
